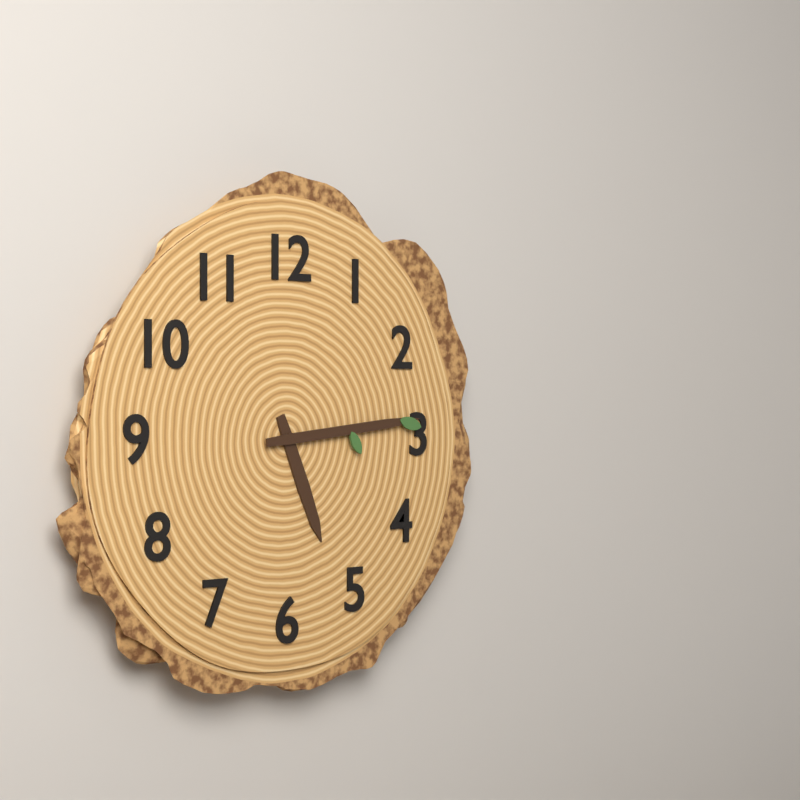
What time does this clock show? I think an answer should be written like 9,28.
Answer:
5,14
